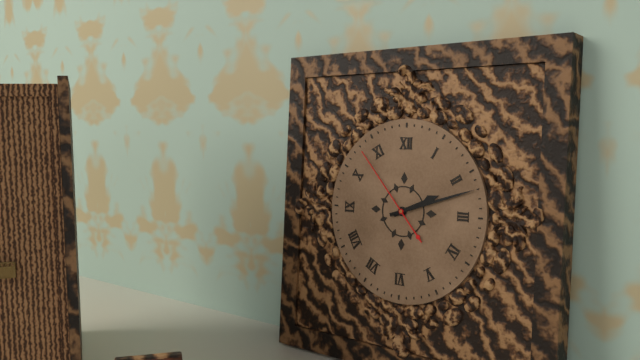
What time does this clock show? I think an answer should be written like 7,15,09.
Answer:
2,12,53
